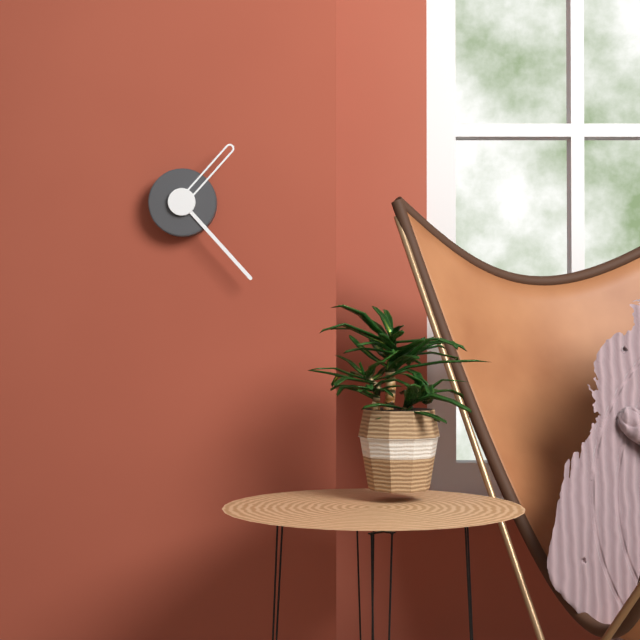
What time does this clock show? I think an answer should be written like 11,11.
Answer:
1,23
